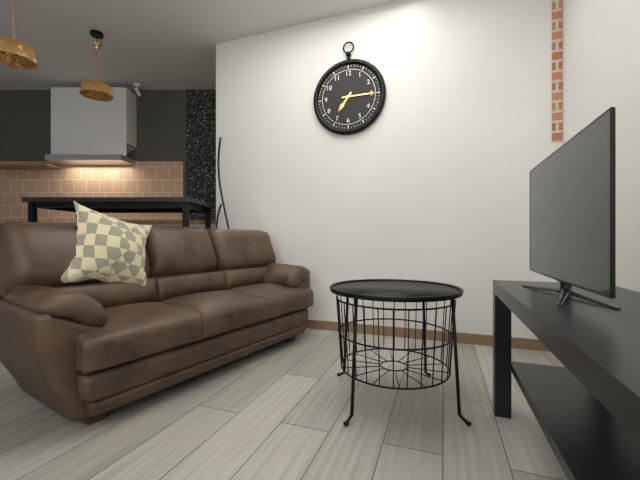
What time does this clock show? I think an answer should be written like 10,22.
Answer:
7,15
